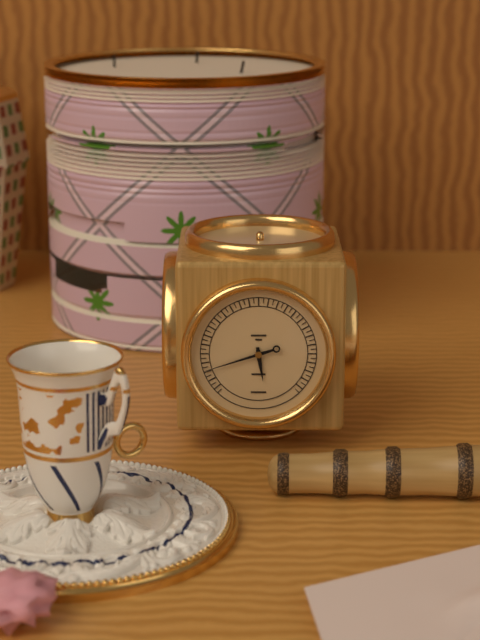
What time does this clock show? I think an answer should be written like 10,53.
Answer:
5,42
